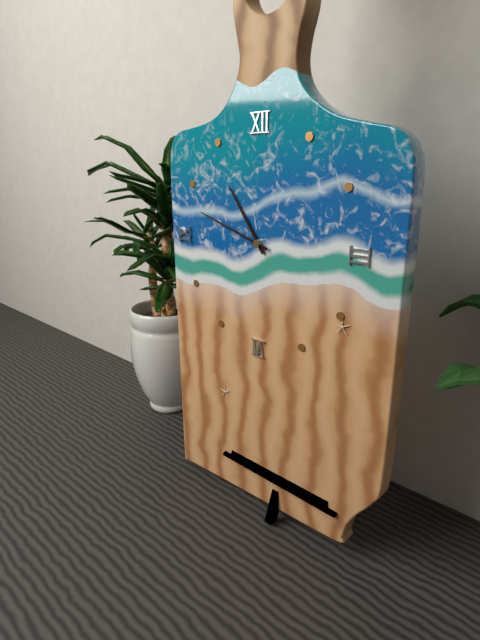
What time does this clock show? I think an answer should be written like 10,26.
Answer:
10,48
